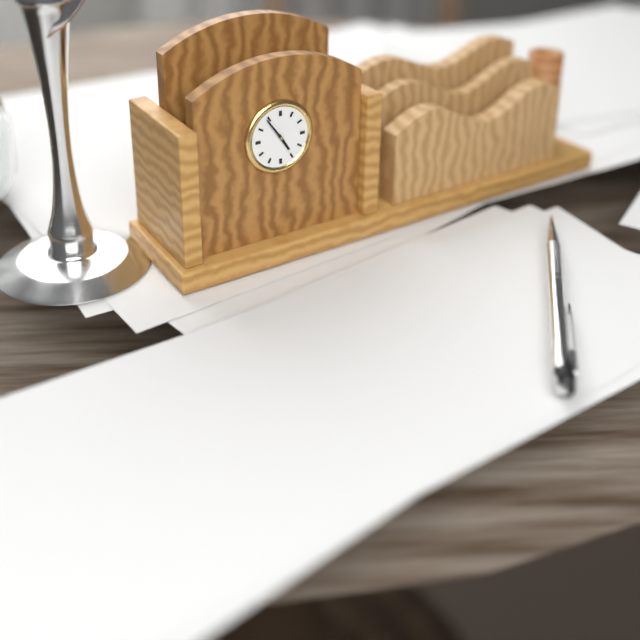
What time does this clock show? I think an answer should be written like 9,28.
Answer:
4,54
